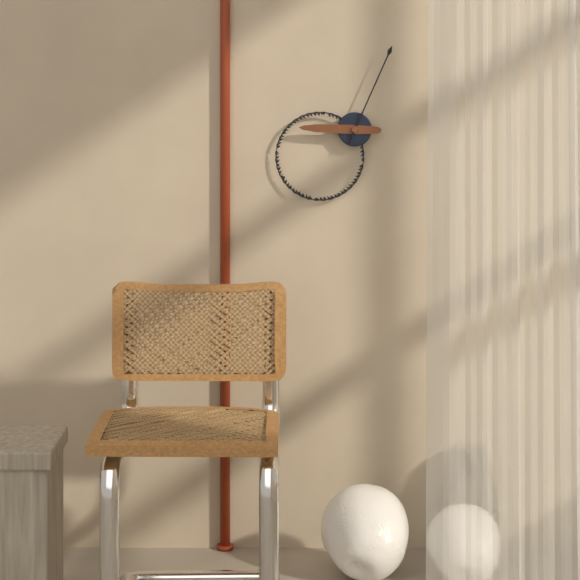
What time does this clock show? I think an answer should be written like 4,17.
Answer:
9,04
